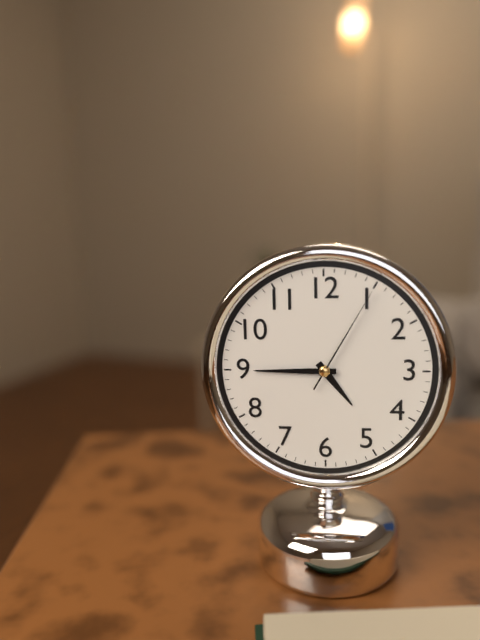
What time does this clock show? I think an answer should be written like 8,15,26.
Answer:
4,45,05
